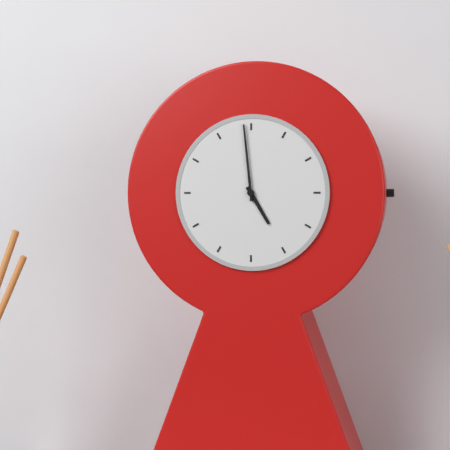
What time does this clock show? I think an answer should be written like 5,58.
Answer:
4,59
